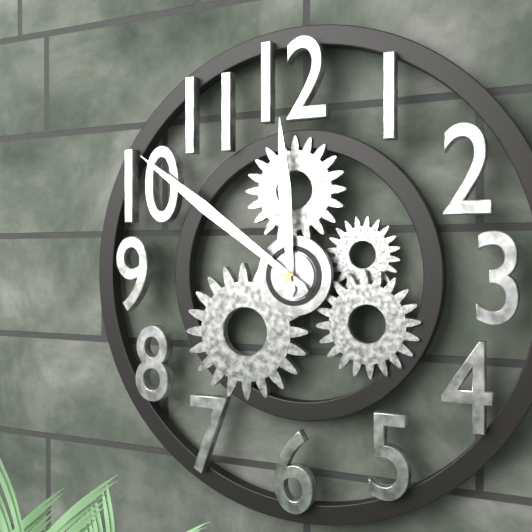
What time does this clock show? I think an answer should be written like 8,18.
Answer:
11,51
